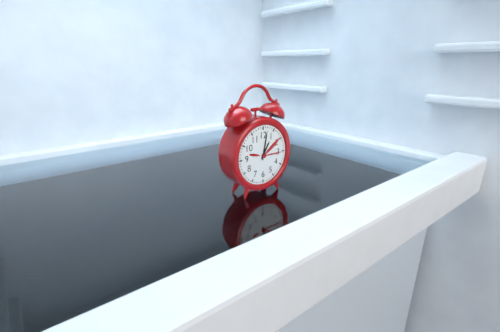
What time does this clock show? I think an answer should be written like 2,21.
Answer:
1,02
